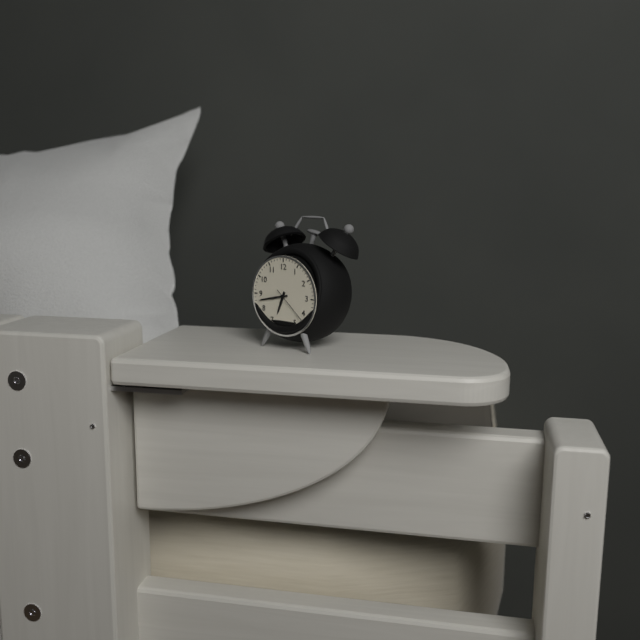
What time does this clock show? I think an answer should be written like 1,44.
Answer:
6,43
